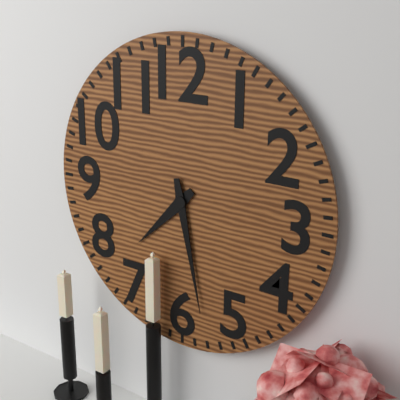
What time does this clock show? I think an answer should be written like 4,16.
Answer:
7,28
